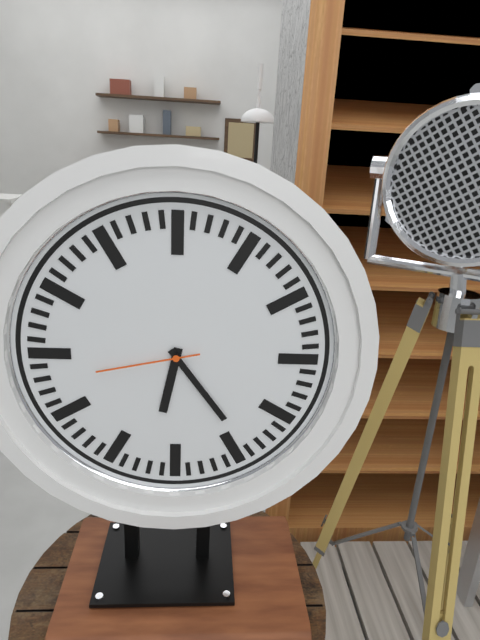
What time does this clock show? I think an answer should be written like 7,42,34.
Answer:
6,24,43
